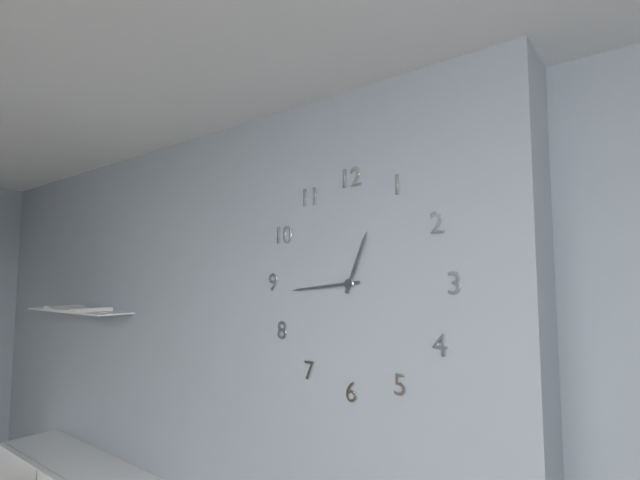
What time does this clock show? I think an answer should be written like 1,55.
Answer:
12,44
